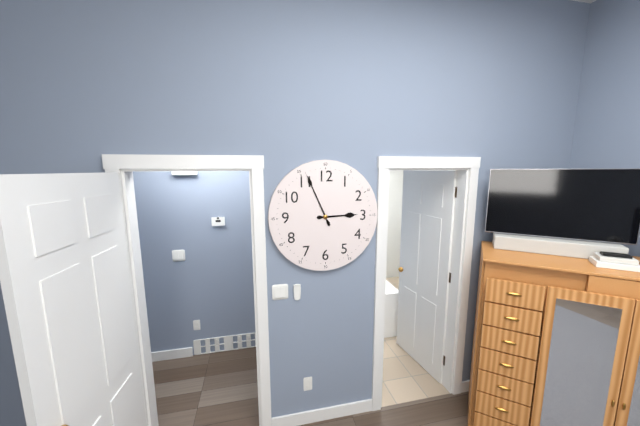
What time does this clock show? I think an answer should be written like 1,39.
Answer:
2,56
